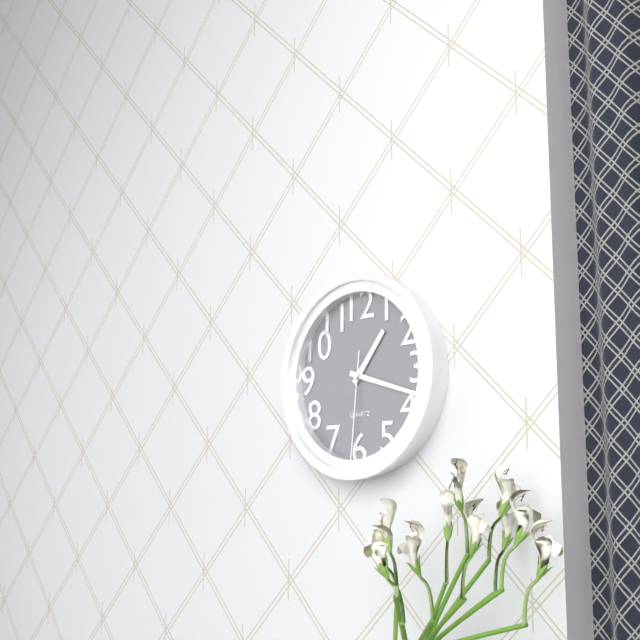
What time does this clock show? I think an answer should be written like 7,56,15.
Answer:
1,18,31
